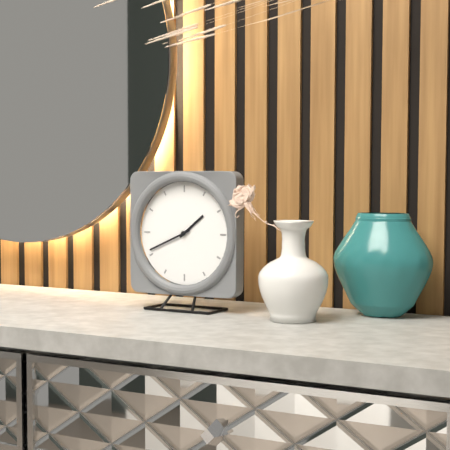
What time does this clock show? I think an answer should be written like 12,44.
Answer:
1,41
